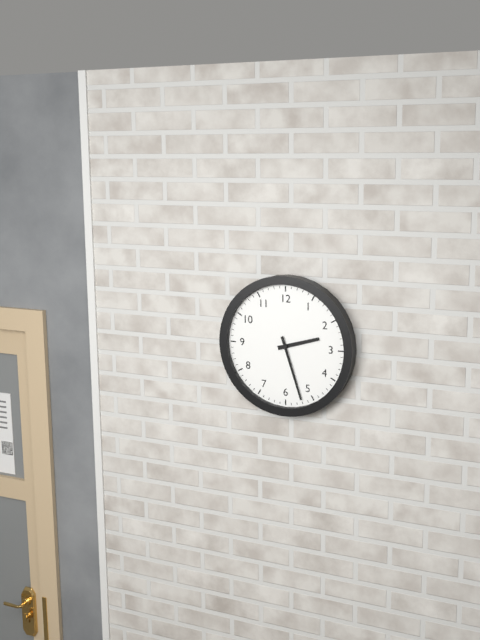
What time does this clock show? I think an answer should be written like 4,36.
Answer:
2,27
